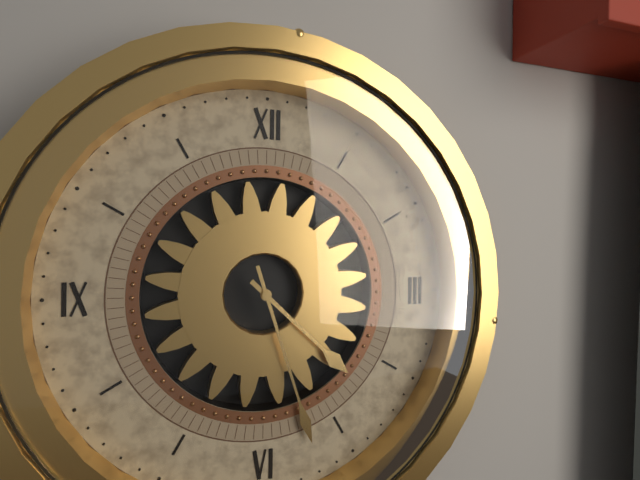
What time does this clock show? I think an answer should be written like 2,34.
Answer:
4,27
